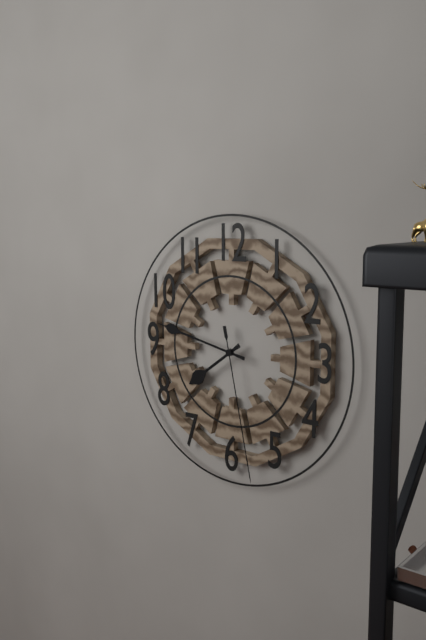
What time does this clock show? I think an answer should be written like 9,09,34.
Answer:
7,47,28
